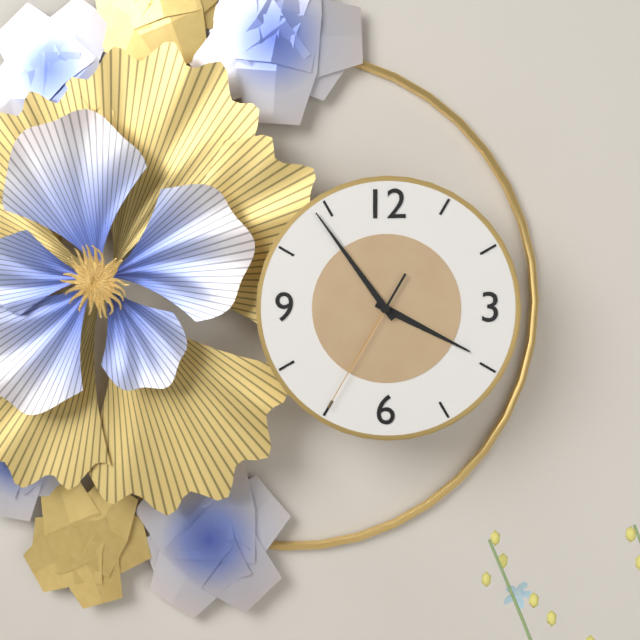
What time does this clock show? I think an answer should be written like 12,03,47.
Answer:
3,54,35
